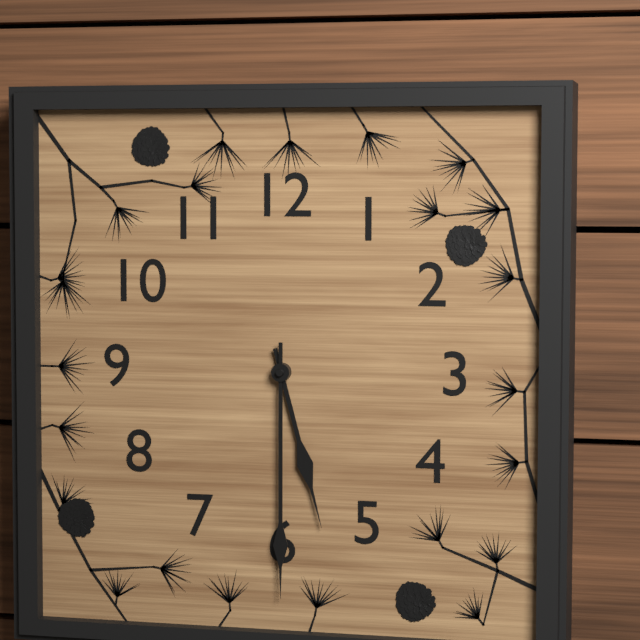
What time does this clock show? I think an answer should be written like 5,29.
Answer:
5,30
